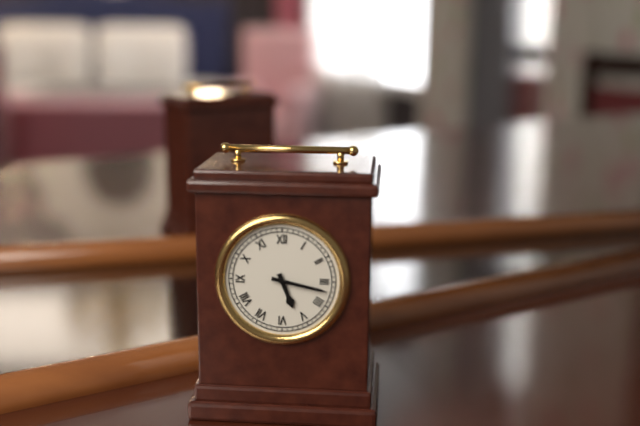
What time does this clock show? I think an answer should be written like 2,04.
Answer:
5,17
